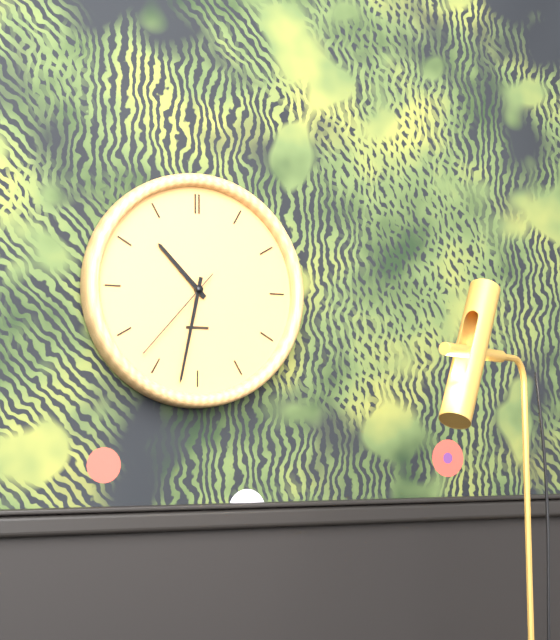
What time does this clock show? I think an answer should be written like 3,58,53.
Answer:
10,32,37
